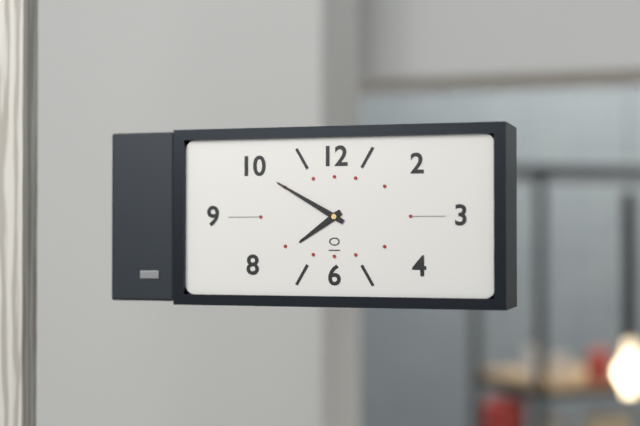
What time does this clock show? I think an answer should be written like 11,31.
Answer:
7,50
